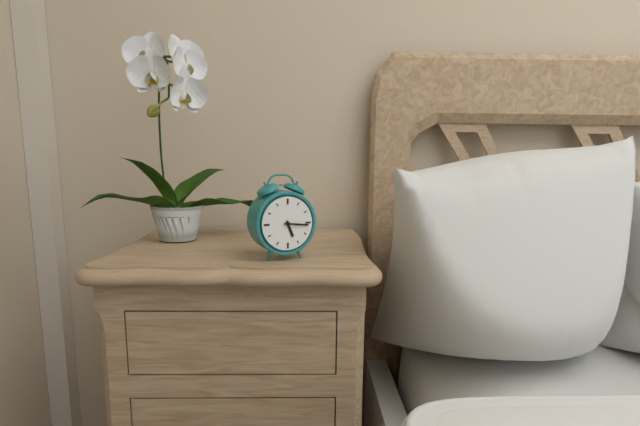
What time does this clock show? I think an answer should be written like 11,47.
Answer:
5,16
